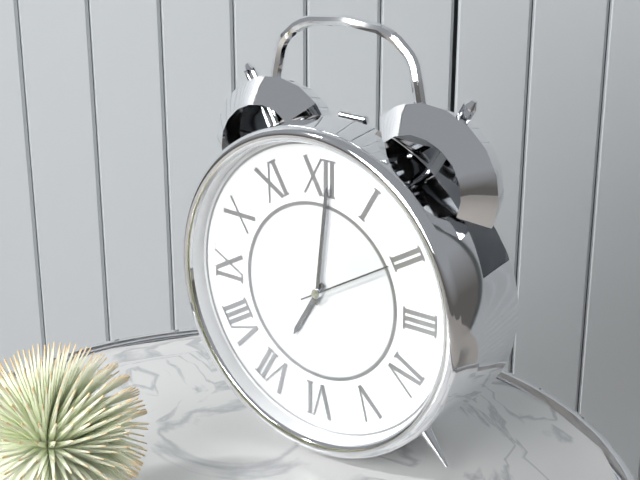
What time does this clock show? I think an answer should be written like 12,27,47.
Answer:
7,01,10
